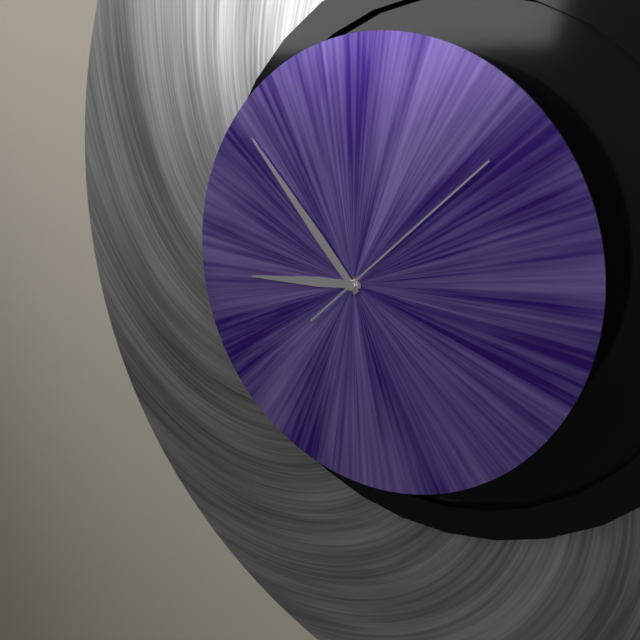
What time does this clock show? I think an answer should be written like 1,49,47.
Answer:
8,53,08
